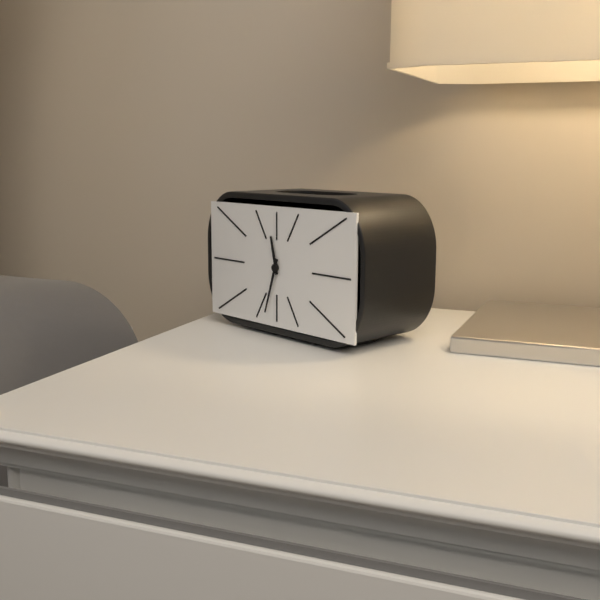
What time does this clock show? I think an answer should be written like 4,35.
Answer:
11,33
